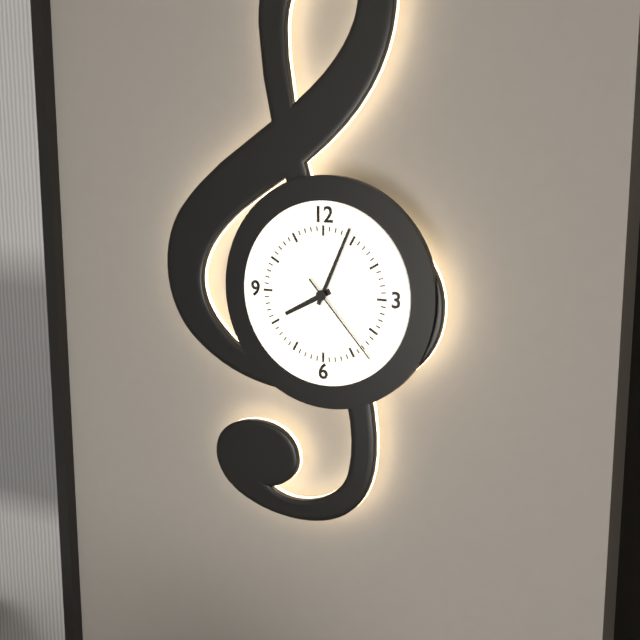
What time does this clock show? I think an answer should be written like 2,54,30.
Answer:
8,04,23
